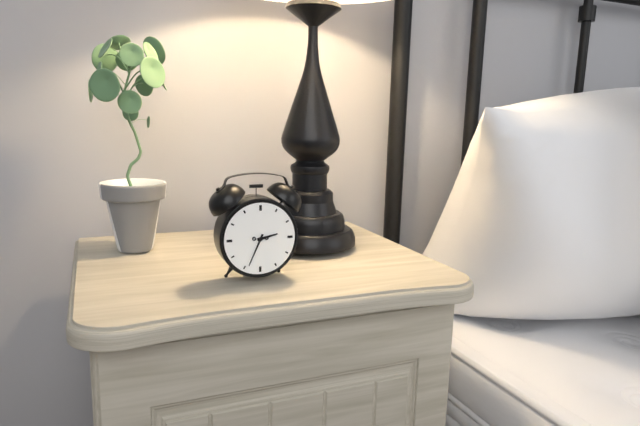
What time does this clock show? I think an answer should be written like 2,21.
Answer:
2,34
